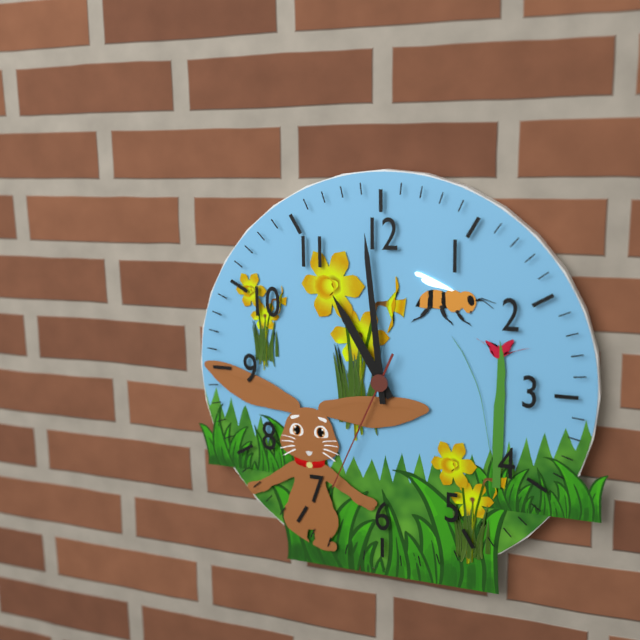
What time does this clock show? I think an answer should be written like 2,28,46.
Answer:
10,59,34
